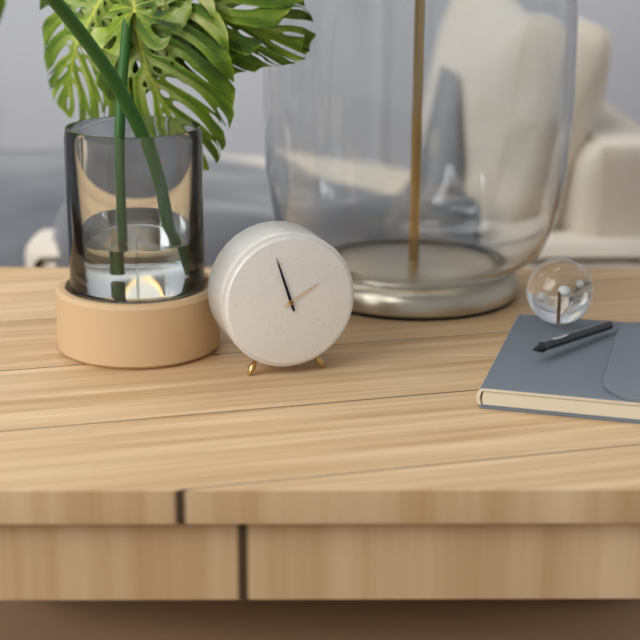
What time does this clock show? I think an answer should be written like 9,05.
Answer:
1,57
